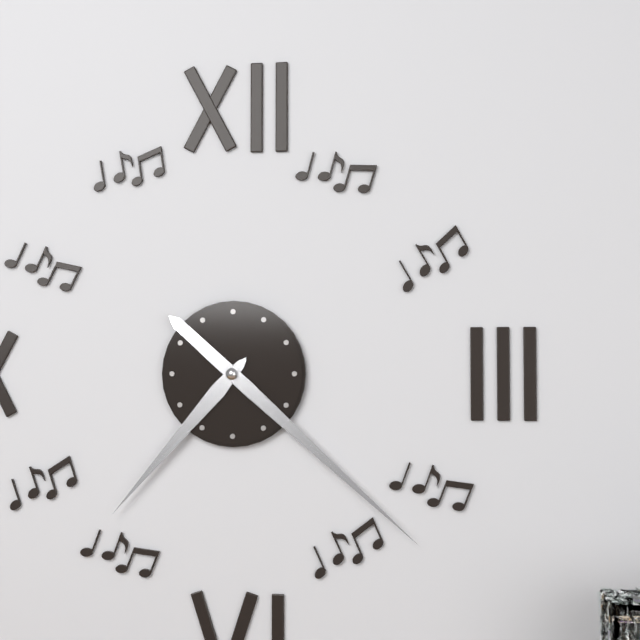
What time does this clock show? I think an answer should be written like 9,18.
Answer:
7,22
